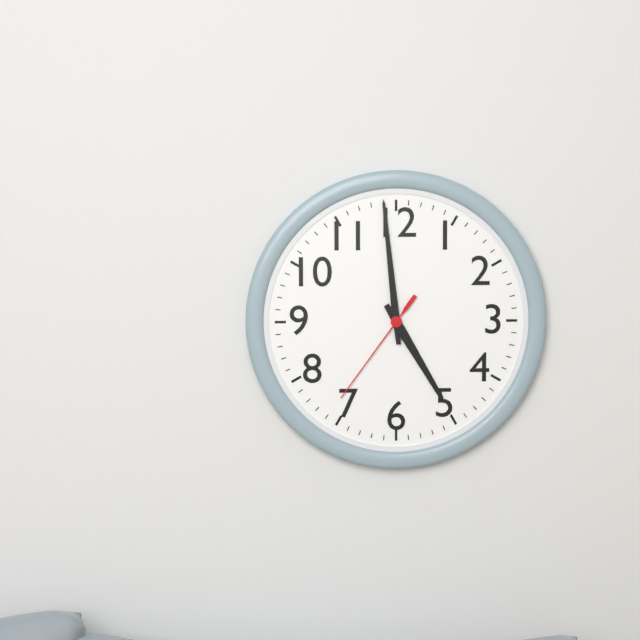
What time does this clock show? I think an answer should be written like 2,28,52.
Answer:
4,59,36
